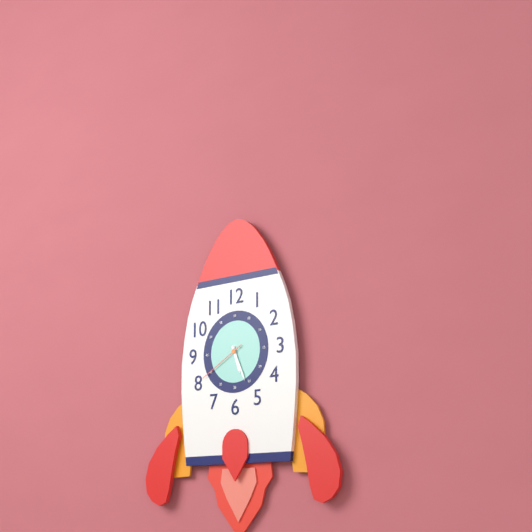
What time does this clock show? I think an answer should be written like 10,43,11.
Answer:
5,26,40
